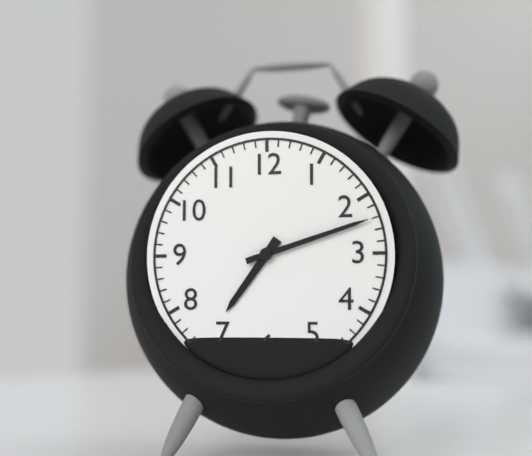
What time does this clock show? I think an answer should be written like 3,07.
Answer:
7,12
